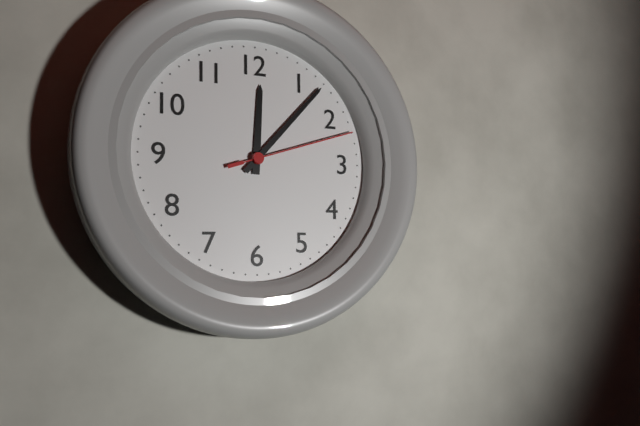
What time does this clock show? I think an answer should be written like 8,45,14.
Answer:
12,07,12
